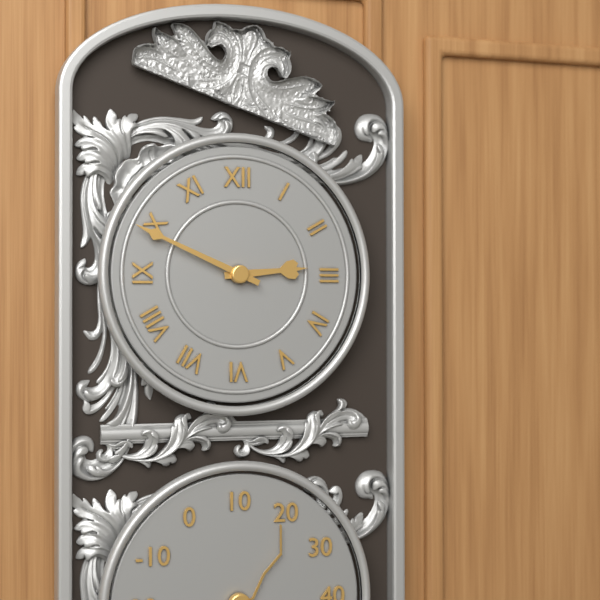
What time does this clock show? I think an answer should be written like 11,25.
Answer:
2,49
